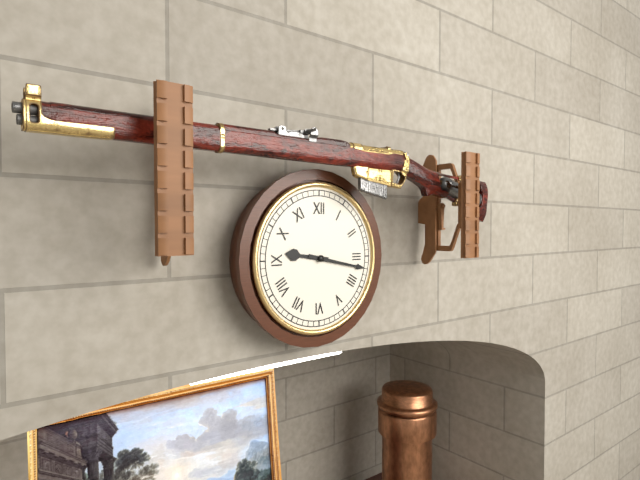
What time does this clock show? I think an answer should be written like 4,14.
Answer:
9,17
